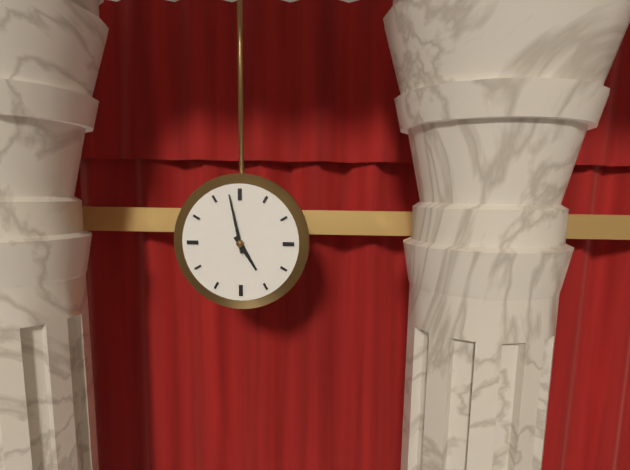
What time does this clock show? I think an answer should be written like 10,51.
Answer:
4,58
